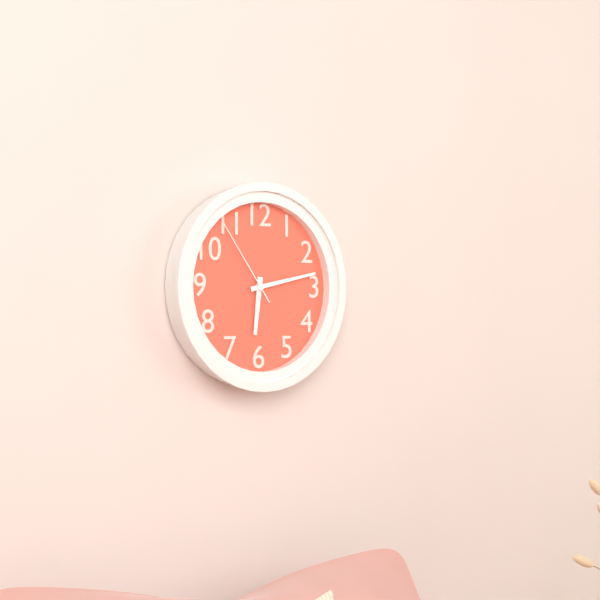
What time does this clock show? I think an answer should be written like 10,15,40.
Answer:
6,13,54
